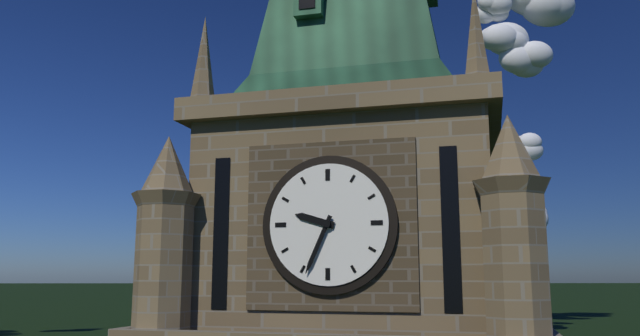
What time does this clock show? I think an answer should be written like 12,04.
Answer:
9,34
